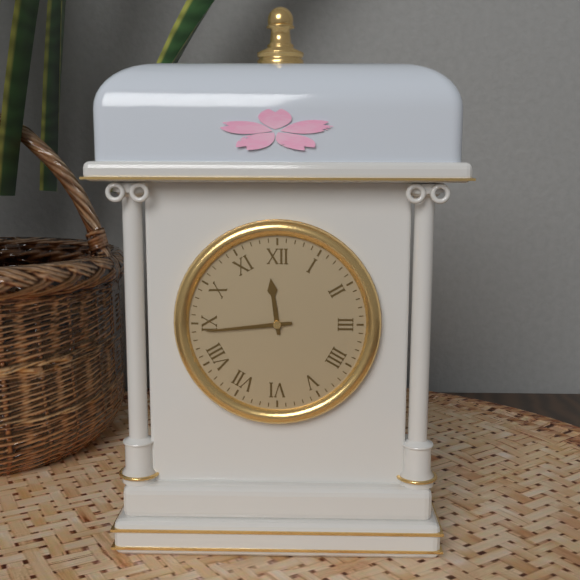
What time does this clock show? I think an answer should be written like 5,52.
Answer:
11,44
